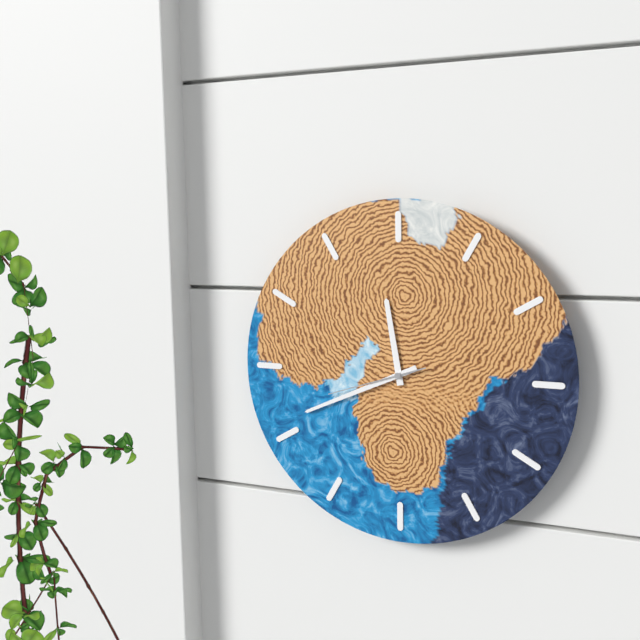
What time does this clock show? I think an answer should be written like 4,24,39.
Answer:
11,41,42
